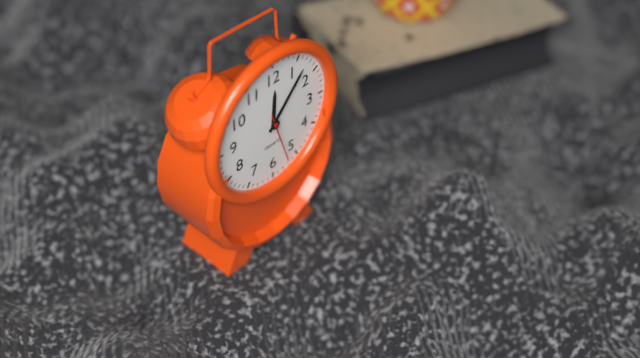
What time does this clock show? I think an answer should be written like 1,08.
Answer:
12,07
